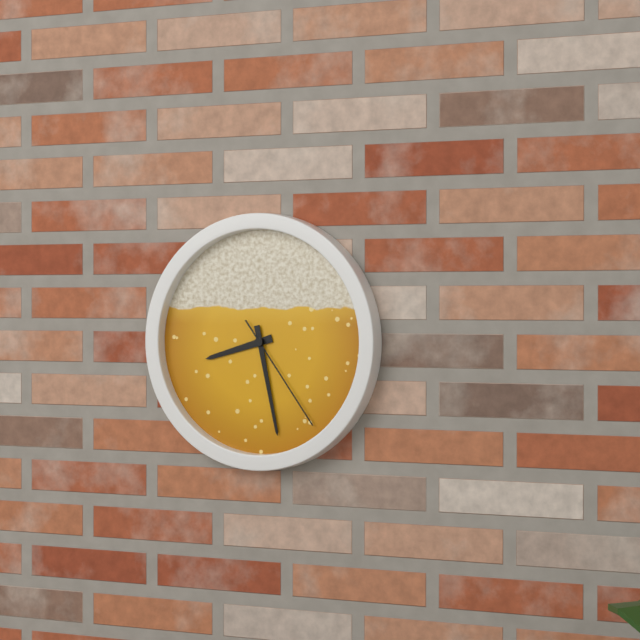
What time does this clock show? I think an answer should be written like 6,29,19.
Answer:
8,28,24
